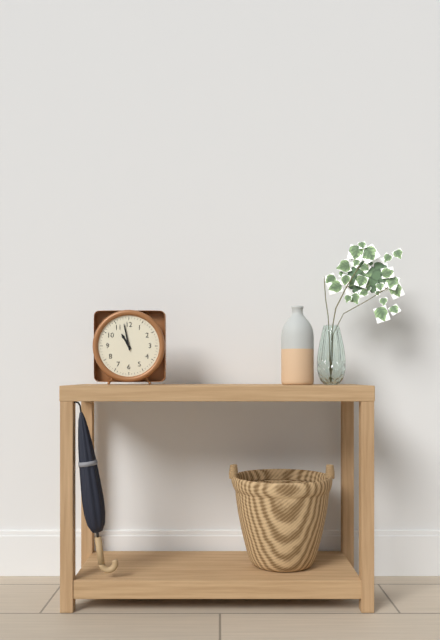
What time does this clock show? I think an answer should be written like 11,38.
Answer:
10,58
